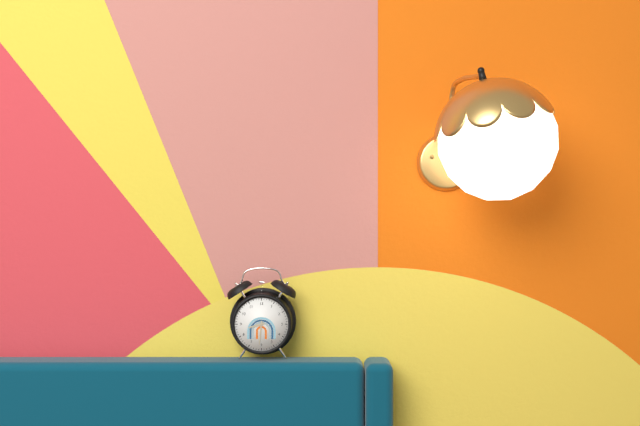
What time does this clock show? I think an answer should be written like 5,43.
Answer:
8,31
